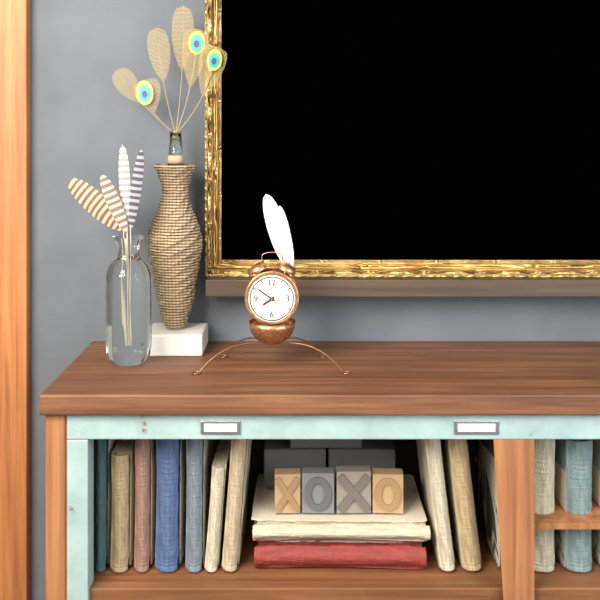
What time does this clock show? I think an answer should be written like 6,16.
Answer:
7,51
